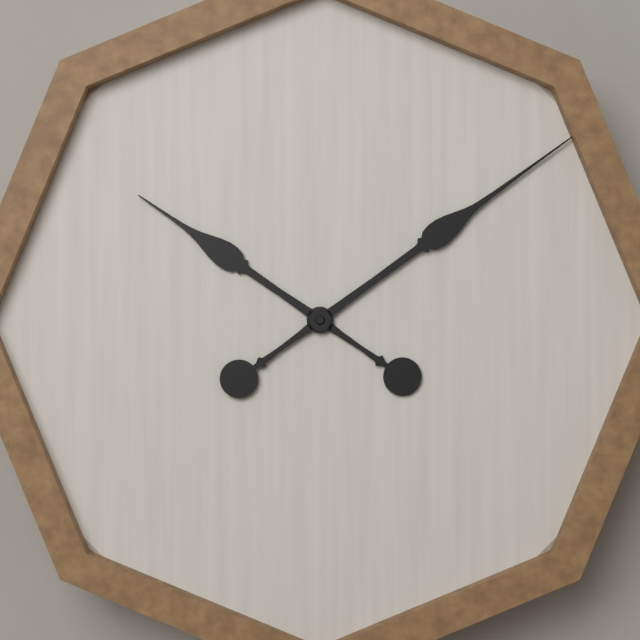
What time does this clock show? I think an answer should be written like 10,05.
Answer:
10,09
